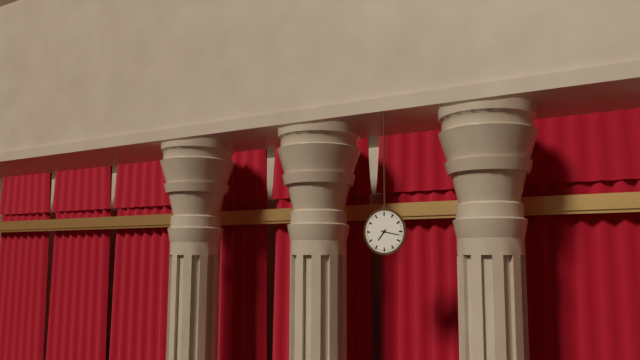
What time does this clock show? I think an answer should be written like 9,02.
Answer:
7,17
